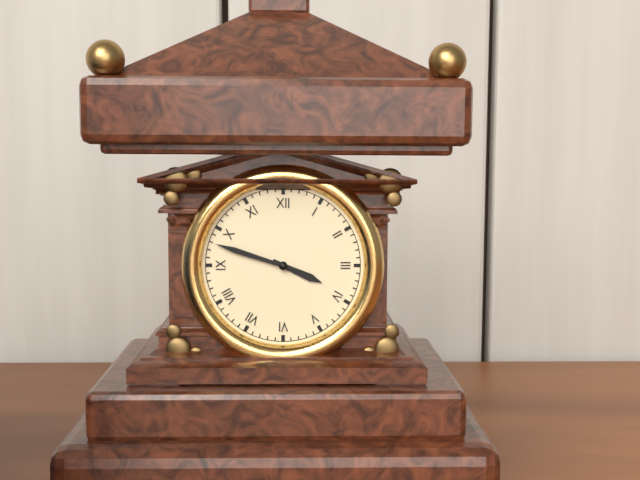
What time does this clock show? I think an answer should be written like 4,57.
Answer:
3,48
